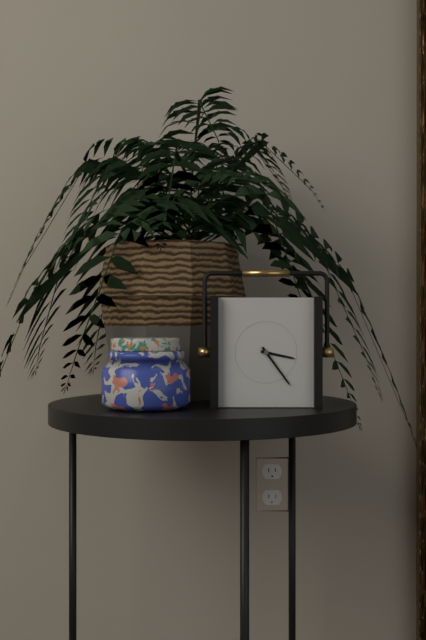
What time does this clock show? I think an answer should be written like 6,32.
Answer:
3,24
